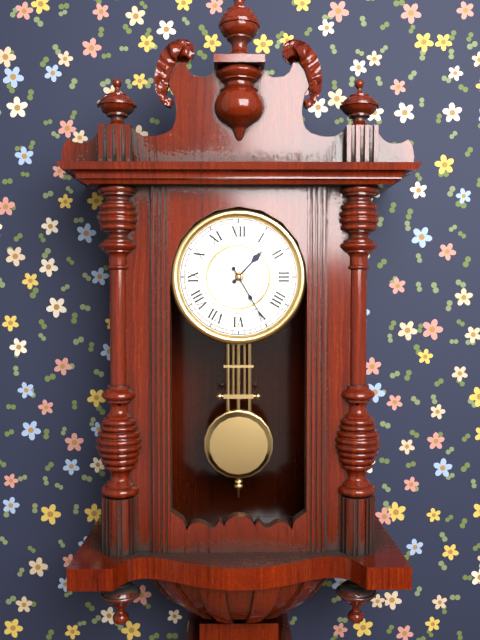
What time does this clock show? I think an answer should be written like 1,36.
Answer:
1,25
